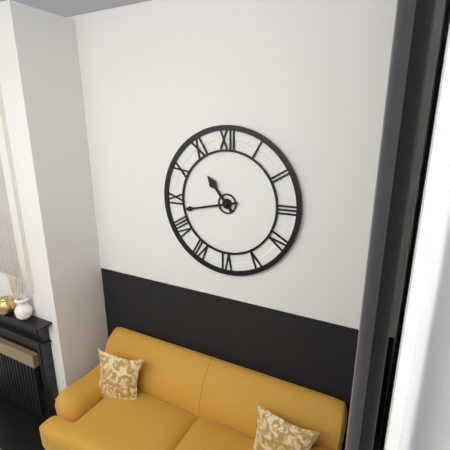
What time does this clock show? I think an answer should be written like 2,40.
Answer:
10,43
